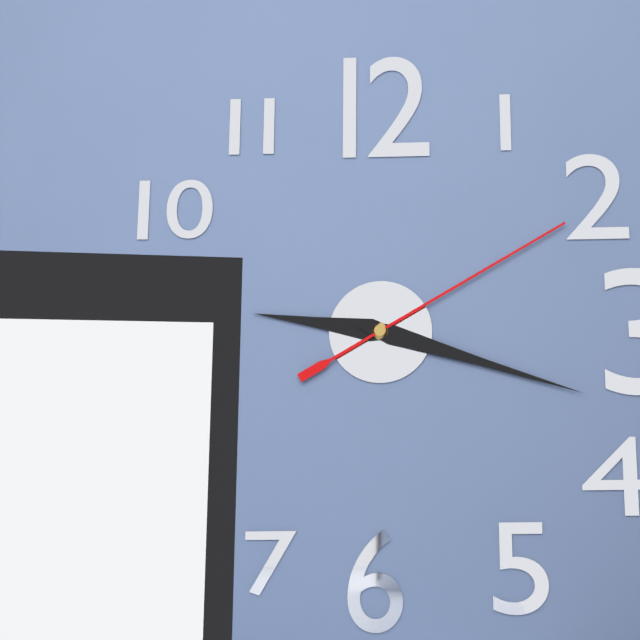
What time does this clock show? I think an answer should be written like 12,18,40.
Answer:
9,18,10
